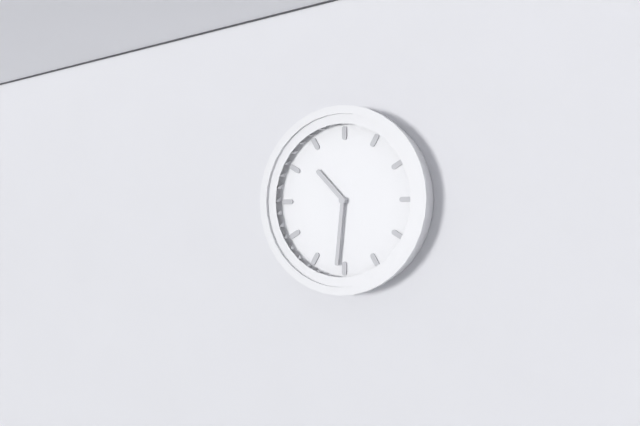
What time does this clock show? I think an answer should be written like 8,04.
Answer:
10,31
